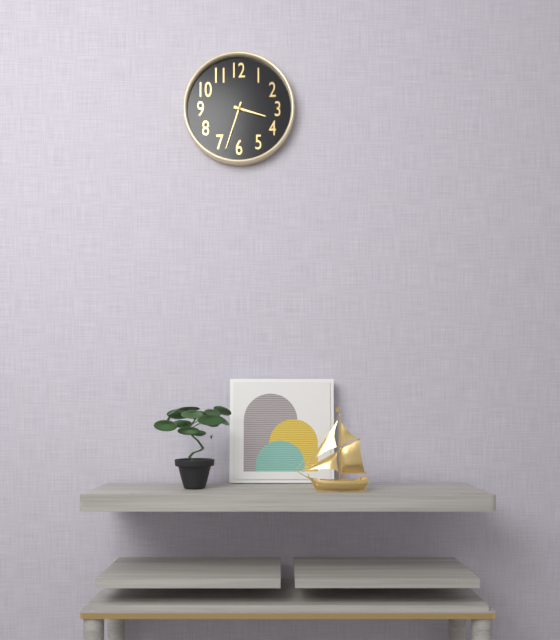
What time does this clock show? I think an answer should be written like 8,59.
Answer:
3,33
